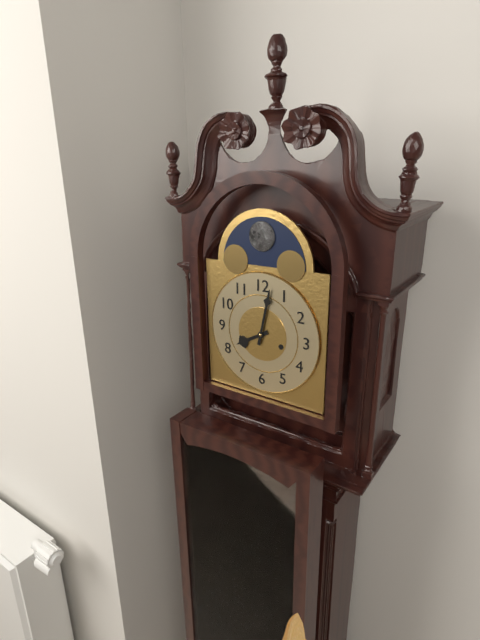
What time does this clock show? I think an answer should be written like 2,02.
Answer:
8,02
